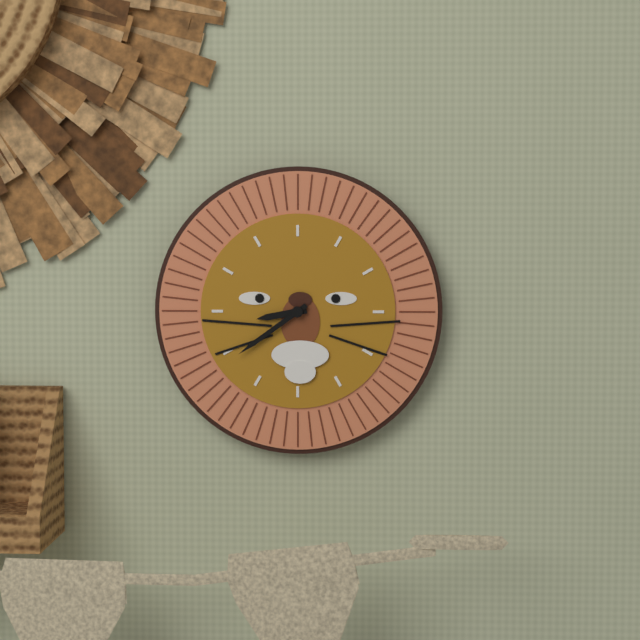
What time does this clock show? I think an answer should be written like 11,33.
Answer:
8,39
